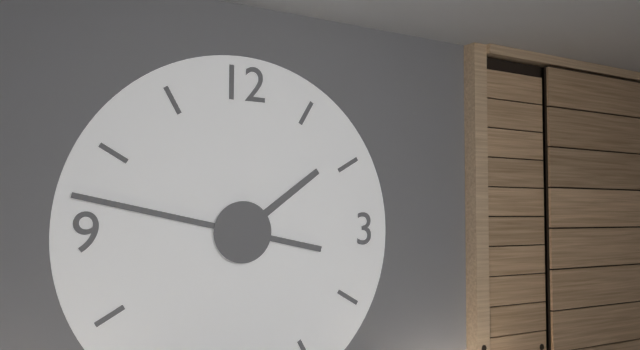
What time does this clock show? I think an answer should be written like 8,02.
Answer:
1,47
